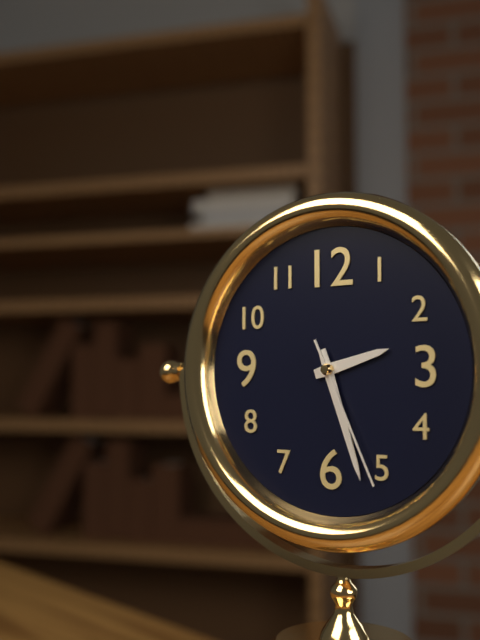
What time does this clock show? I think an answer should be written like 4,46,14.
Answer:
2,27,26
